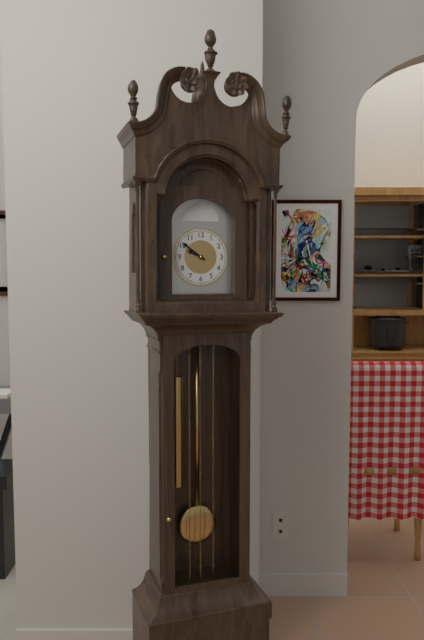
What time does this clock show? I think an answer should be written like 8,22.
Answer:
9,51
